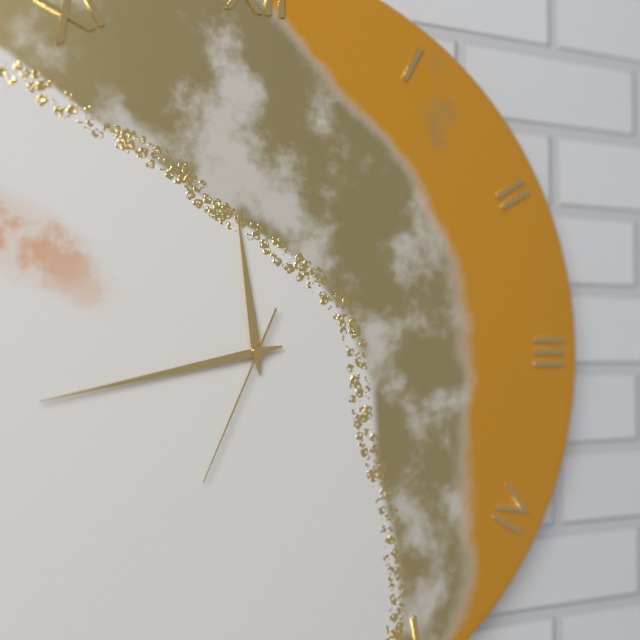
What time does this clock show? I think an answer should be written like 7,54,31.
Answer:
11,43,34
